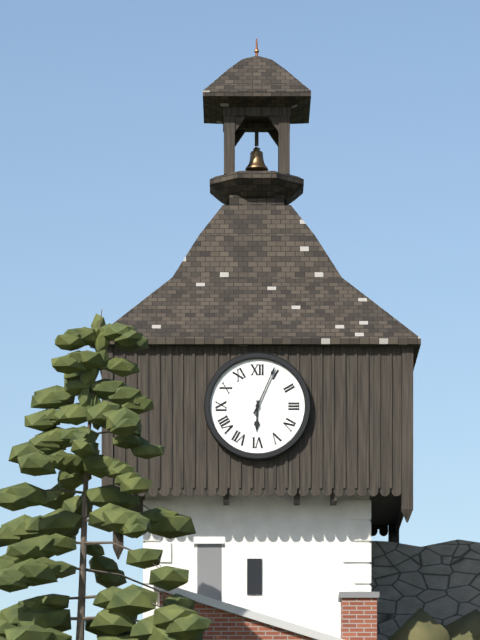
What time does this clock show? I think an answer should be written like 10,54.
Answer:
6,04
